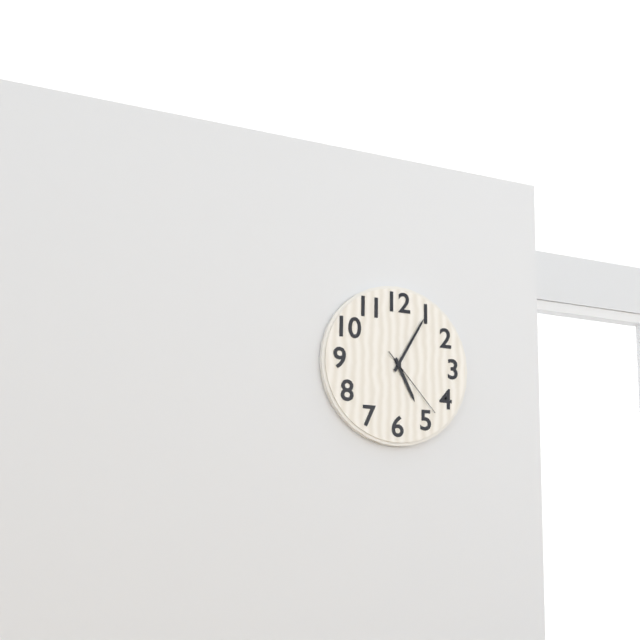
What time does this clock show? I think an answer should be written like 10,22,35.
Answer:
5,05,23
